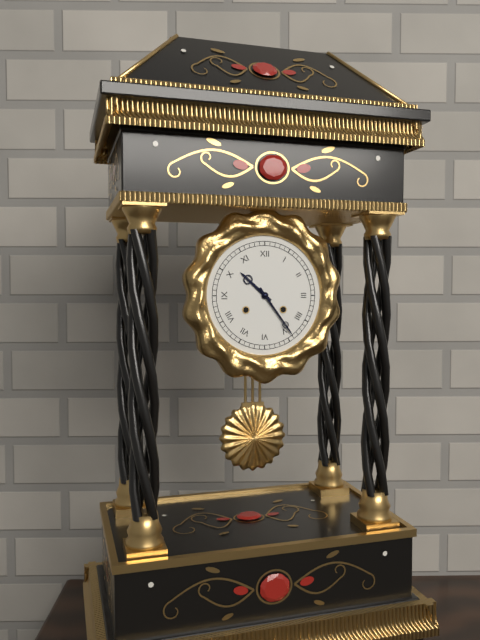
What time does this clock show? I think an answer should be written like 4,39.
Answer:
10,24
